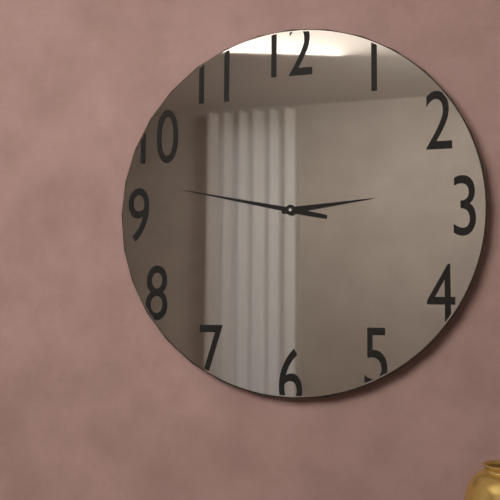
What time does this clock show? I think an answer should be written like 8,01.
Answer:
2,47
